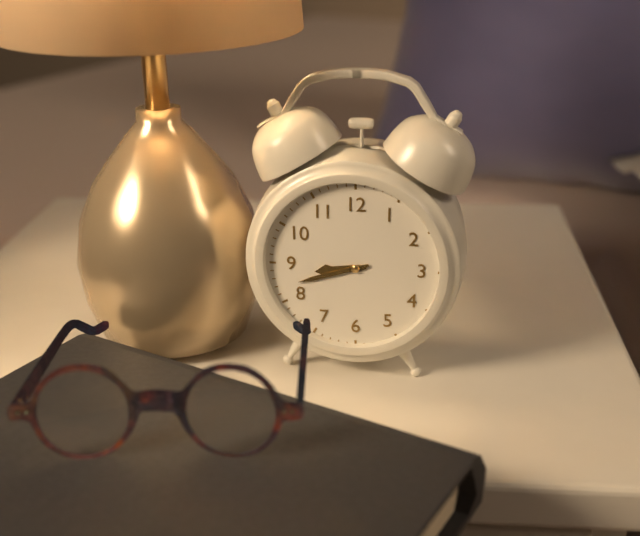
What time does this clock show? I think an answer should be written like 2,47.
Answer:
8,42
